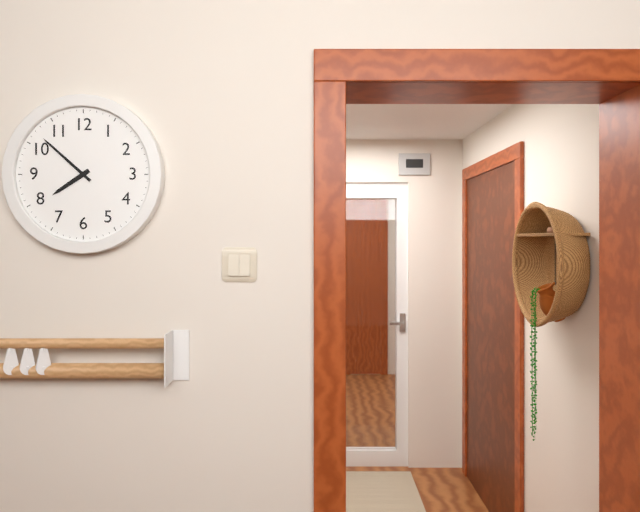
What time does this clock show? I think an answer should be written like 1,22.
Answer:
7,52
